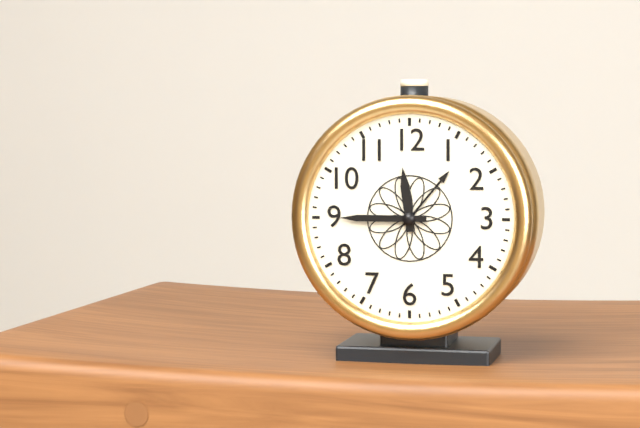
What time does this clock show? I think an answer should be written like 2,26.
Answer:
11,45
